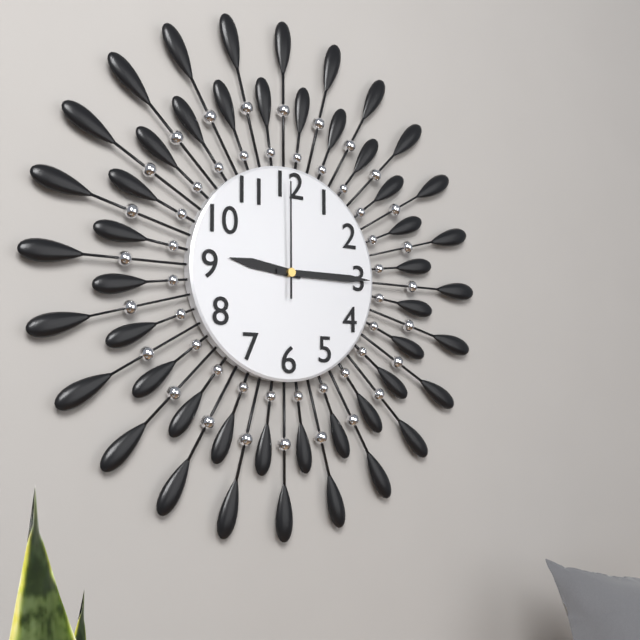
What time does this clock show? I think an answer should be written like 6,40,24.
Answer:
9,15,00
